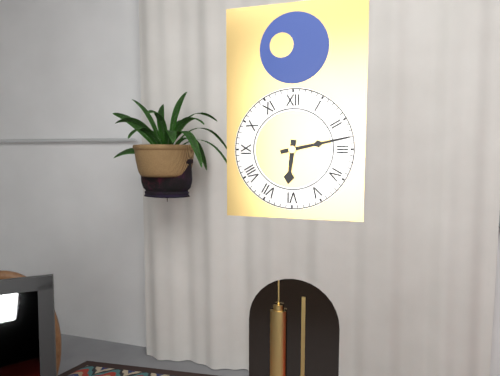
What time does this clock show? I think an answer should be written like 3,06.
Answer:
6,13
